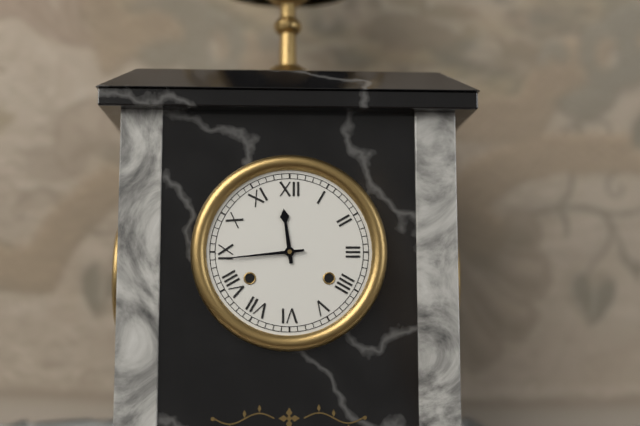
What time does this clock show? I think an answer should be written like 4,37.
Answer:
11,44
